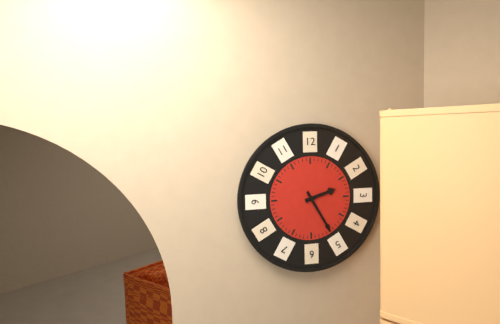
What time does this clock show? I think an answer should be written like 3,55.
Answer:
2,25
